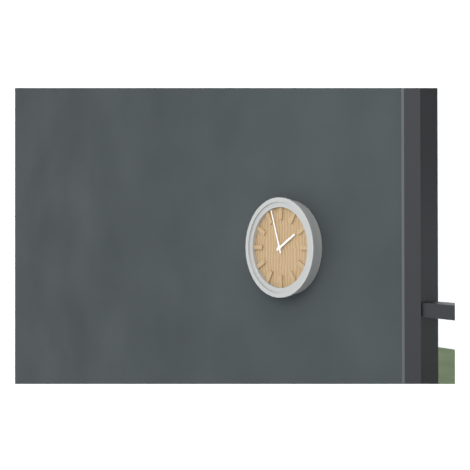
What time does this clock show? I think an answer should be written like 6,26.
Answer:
1,57
